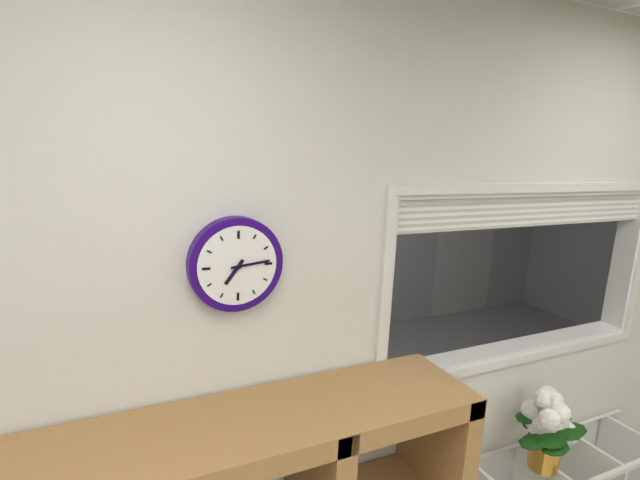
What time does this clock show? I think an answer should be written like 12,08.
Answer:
7,14
